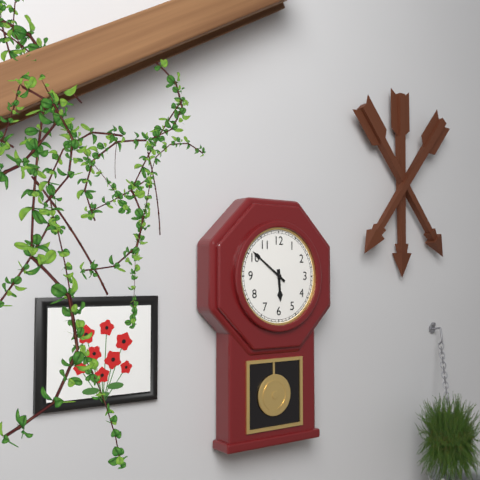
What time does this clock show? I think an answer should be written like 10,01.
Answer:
5,51
